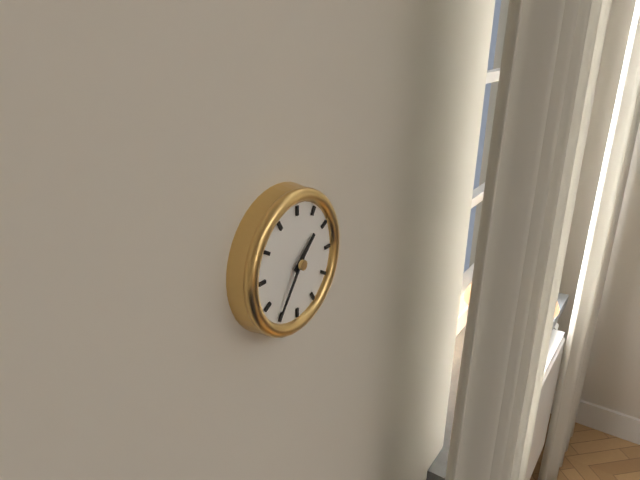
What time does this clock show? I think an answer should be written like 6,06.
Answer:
1,36
